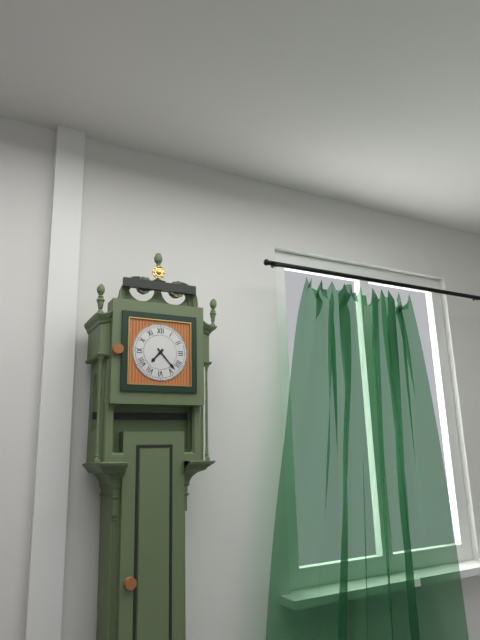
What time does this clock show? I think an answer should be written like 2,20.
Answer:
7,23
